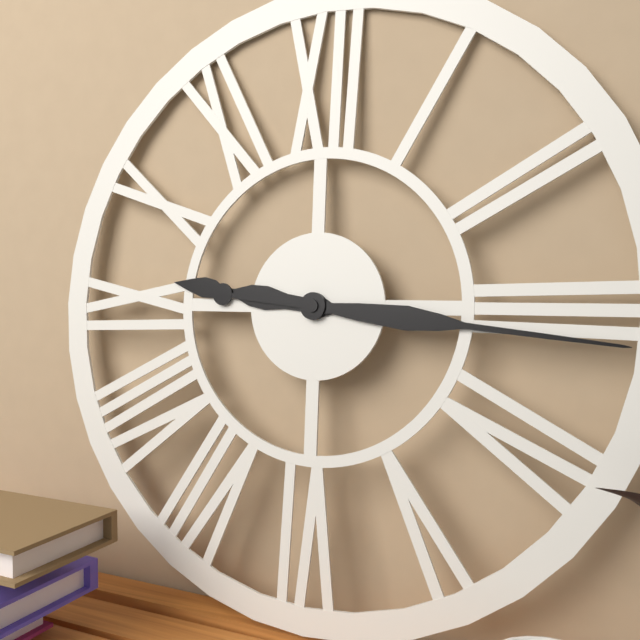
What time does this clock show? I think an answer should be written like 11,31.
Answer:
9,16
